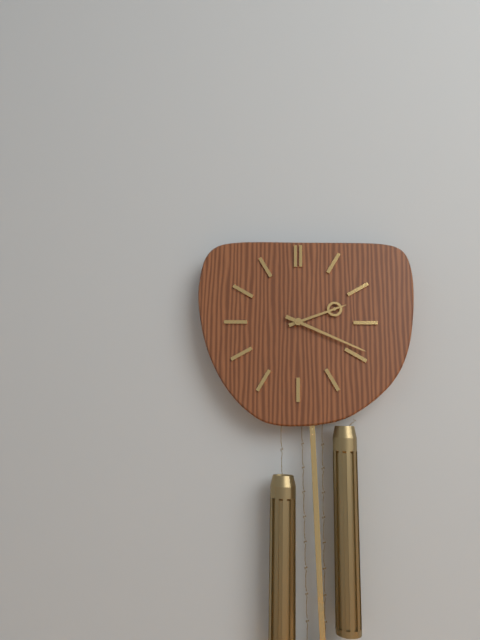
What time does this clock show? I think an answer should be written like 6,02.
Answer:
2,19
